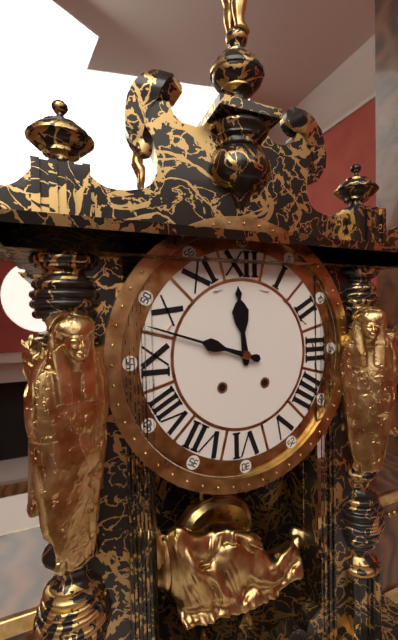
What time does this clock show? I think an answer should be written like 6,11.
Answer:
11,48
